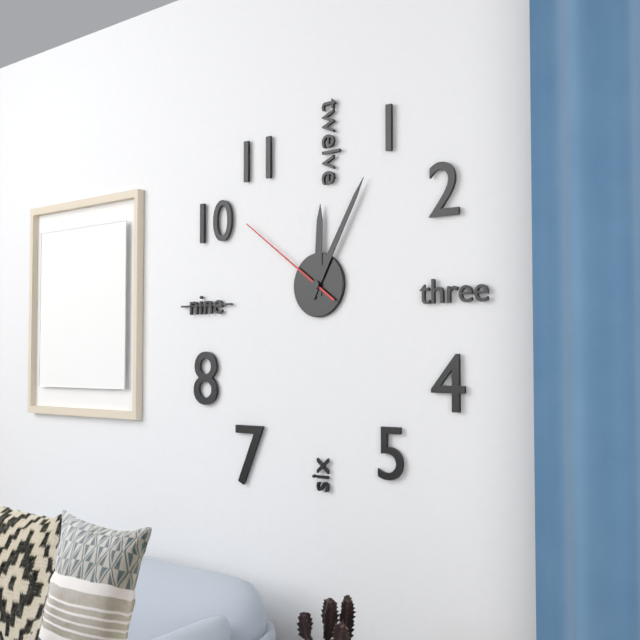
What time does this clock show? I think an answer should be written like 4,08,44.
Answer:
12,05,51
